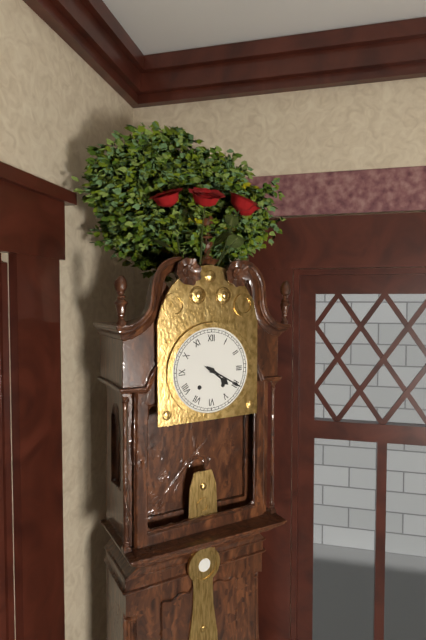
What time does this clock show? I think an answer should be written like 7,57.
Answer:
4,20
